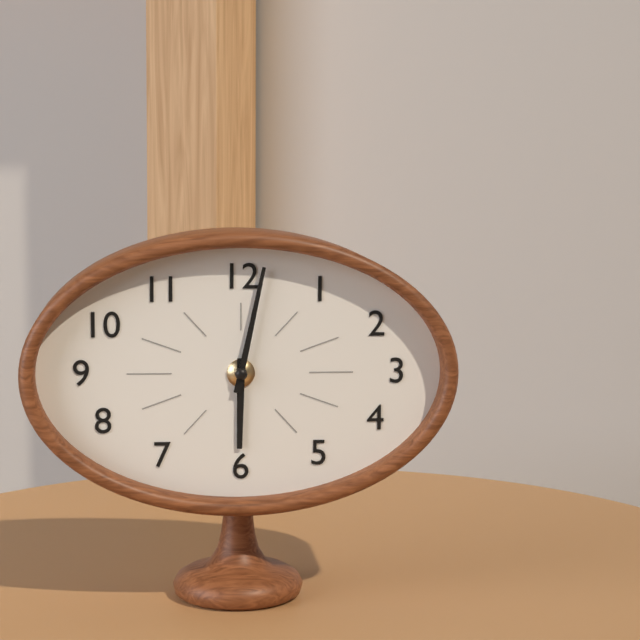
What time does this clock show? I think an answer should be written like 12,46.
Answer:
6,02
